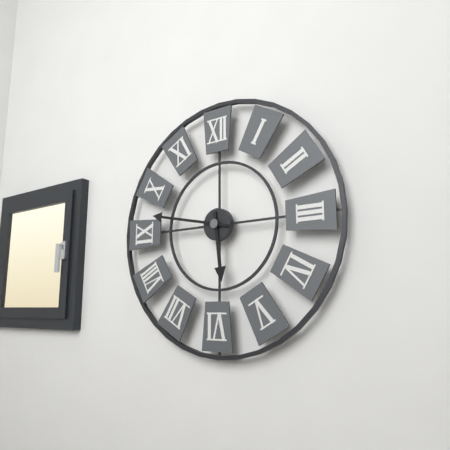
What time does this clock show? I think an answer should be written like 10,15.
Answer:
5,47
